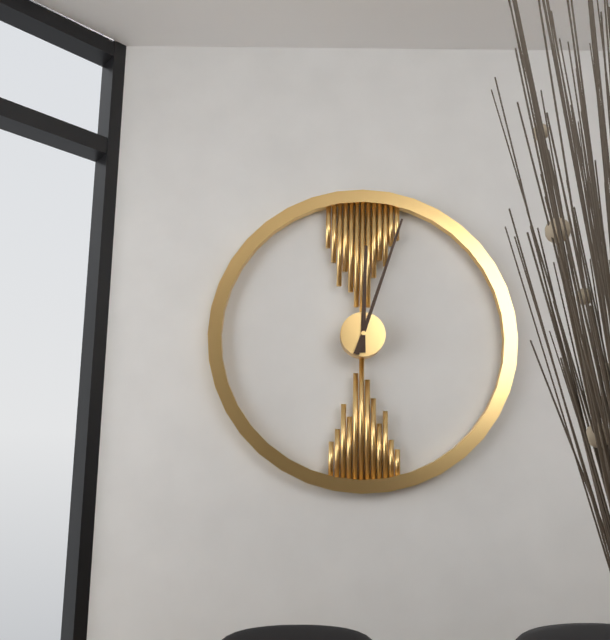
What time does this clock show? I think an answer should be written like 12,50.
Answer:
12,03
